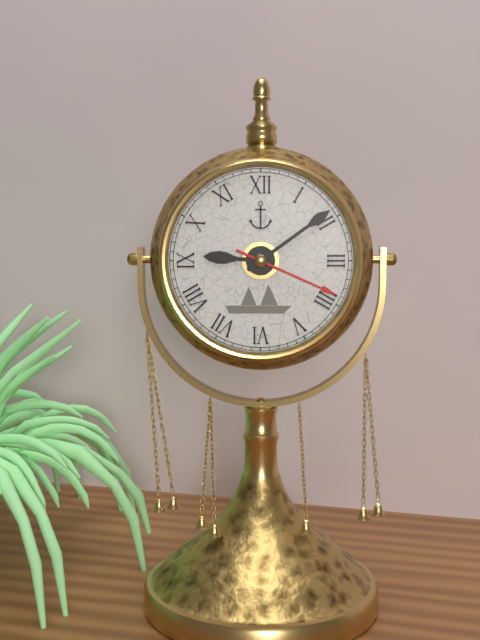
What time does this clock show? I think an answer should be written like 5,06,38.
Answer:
9,09,19
